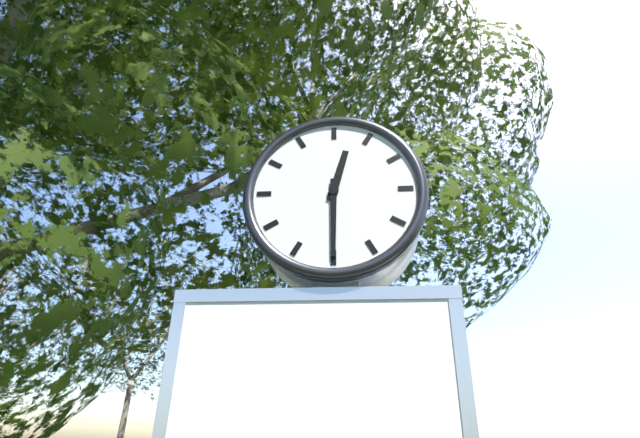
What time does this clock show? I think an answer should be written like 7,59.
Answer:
12,30
